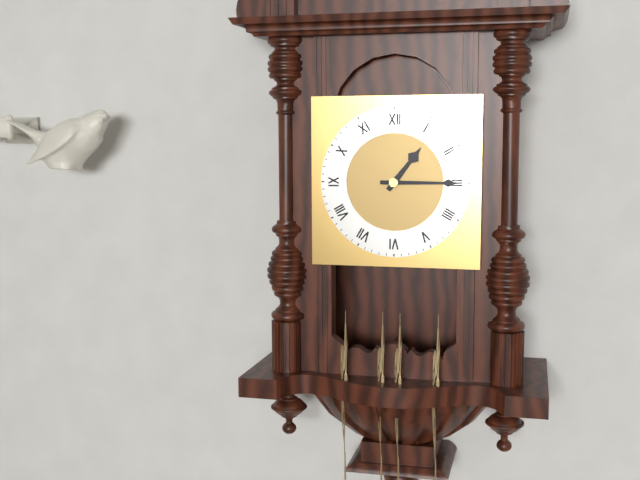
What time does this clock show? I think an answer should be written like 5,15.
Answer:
1,15
